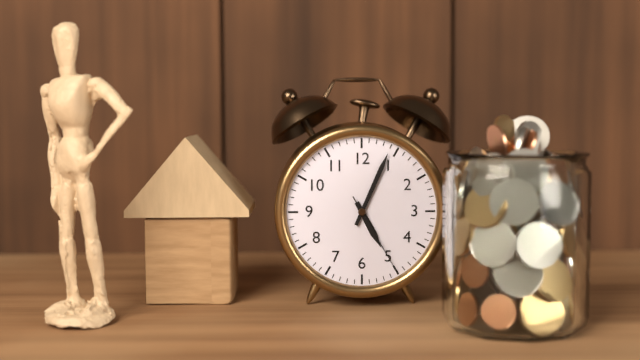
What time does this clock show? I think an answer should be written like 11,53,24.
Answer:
5,04,25
